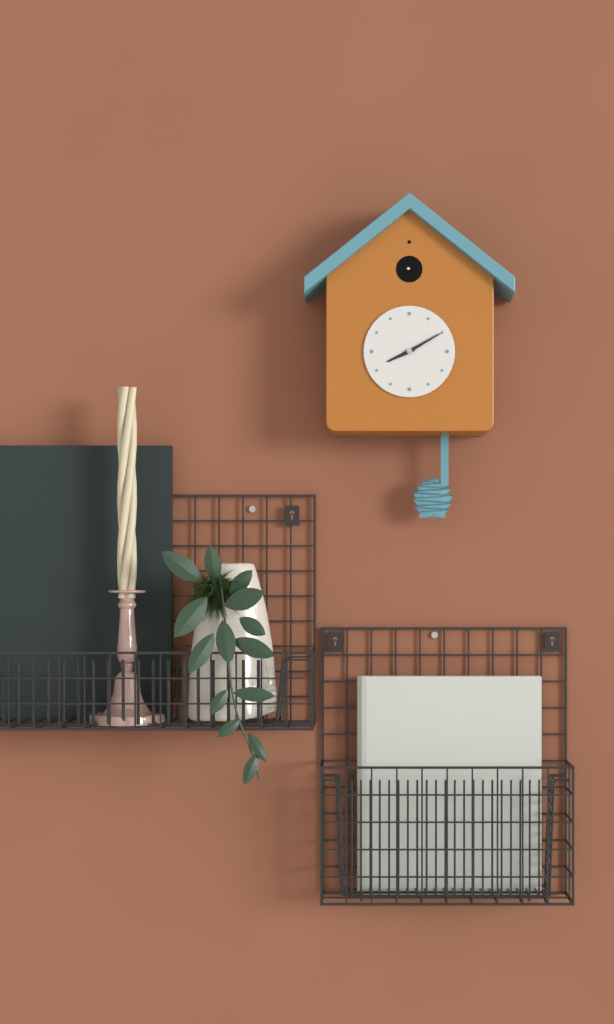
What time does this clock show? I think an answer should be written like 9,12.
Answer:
8,10
